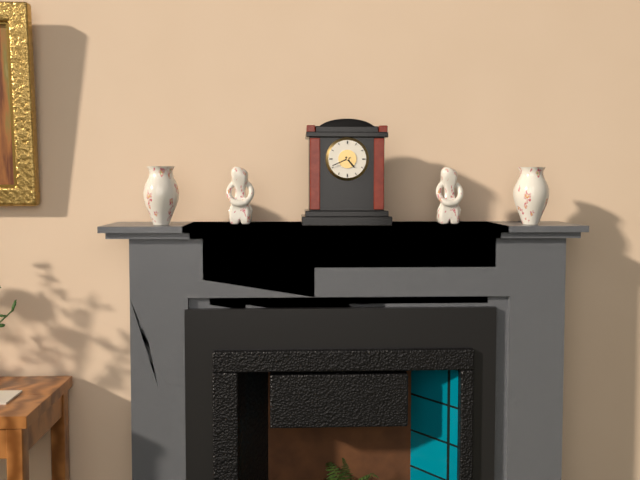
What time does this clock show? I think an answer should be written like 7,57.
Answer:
4,41
